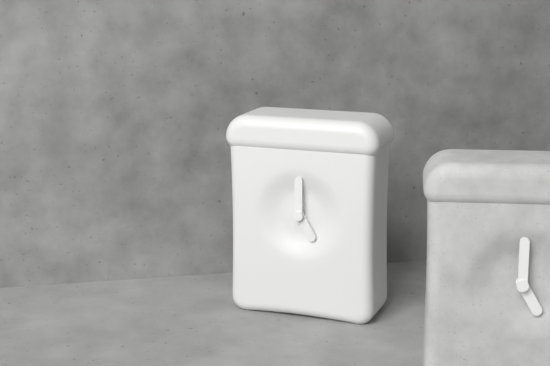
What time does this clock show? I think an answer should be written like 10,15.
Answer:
5,00
